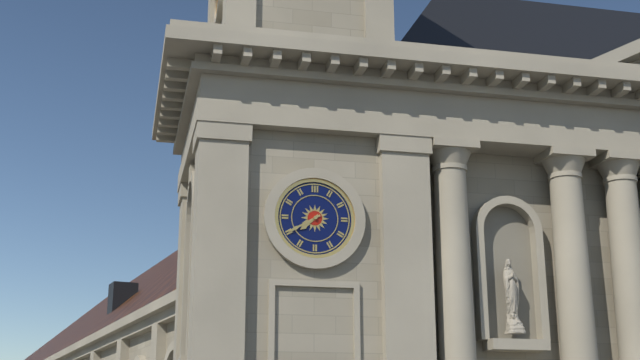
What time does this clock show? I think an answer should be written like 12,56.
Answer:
7,40
